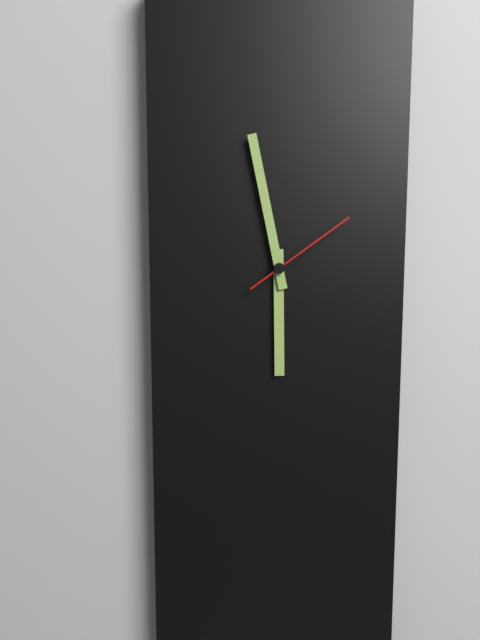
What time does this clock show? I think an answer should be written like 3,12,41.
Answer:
5,58,09
